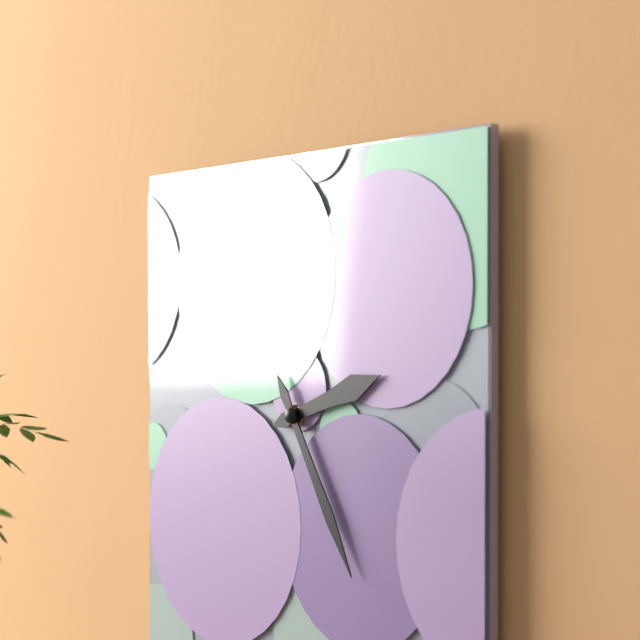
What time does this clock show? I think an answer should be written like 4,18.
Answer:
2,25
